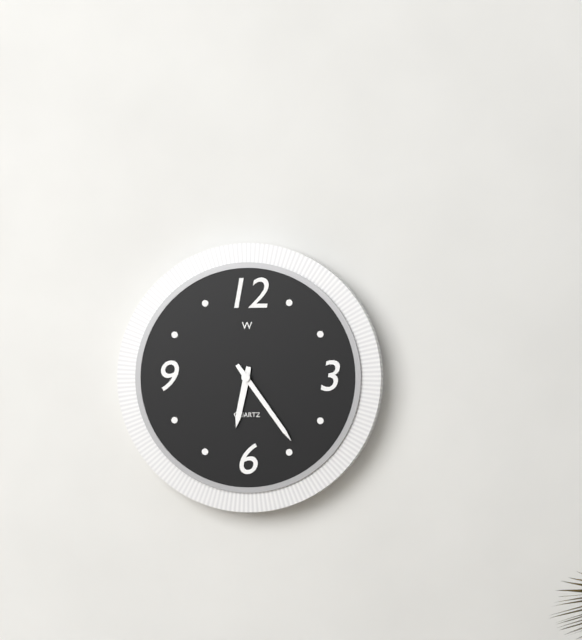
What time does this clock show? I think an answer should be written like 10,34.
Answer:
6,24
